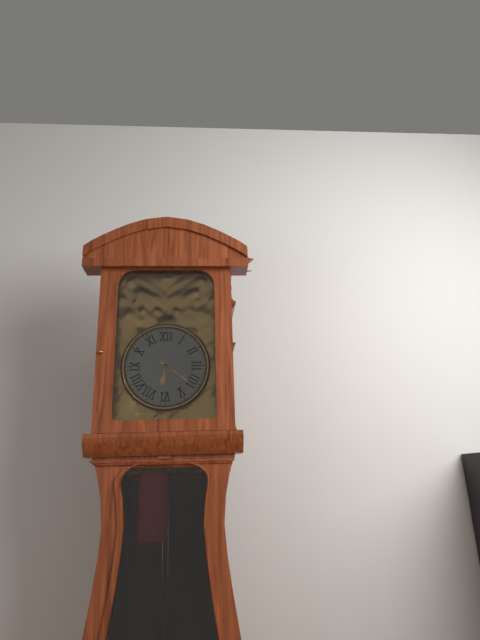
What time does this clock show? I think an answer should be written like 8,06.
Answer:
6,21
